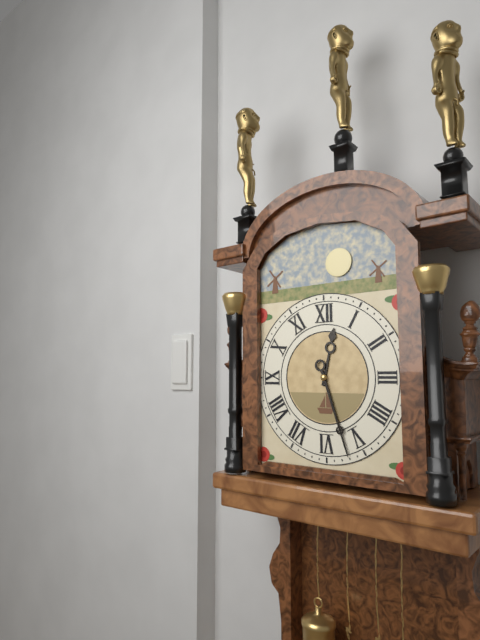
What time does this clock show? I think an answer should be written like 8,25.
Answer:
12,27
